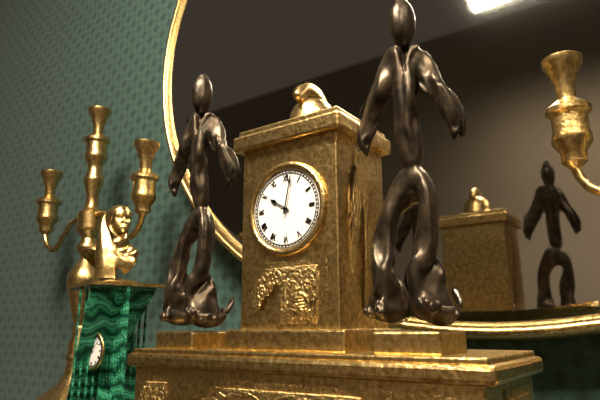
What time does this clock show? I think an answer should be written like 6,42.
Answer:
10,02
